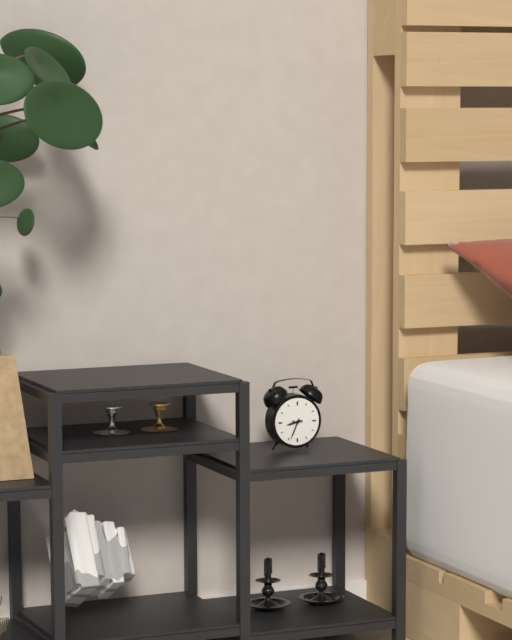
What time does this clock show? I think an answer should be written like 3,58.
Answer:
8,34
